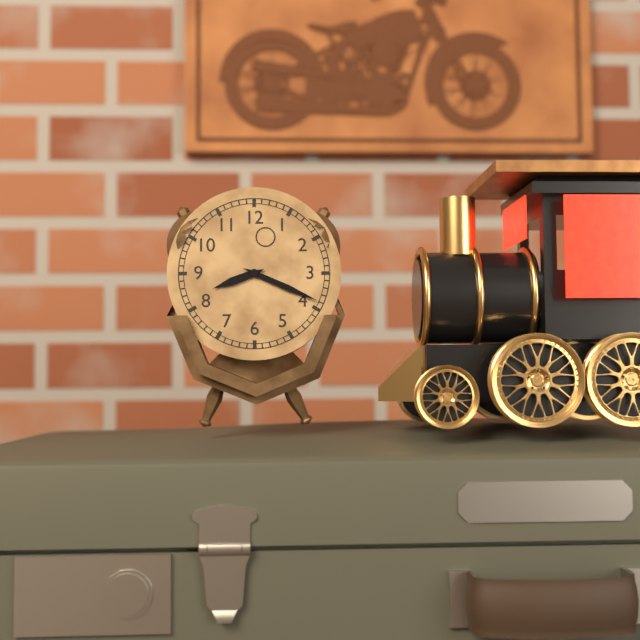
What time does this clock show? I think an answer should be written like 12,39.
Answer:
8,19
